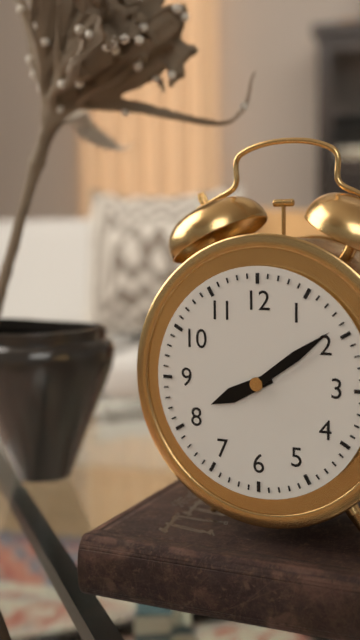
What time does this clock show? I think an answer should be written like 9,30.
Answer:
8,09
